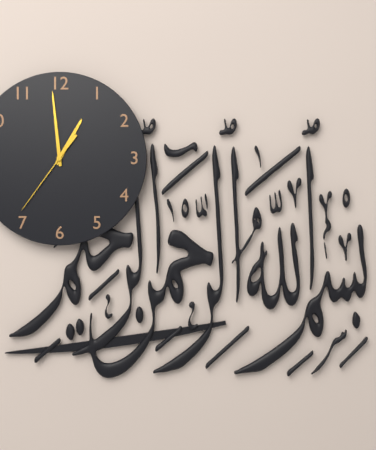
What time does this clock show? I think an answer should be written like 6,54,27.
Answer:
12,59,36
